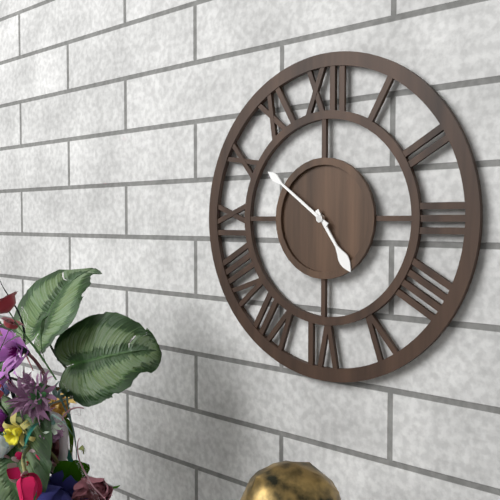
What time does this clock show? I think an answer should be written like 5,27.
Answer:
4,51
